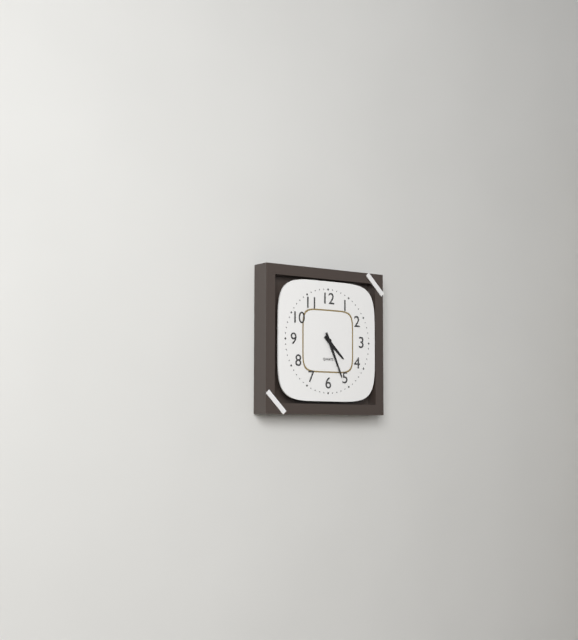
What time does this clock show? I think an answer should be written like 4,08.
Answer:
4,26
